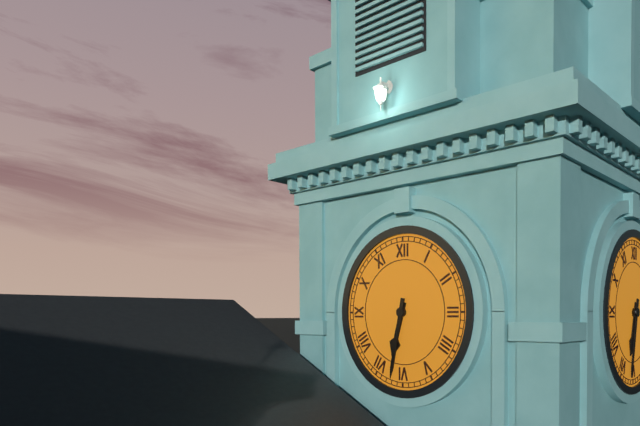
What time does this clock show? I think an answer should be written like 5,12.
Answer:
6,32
